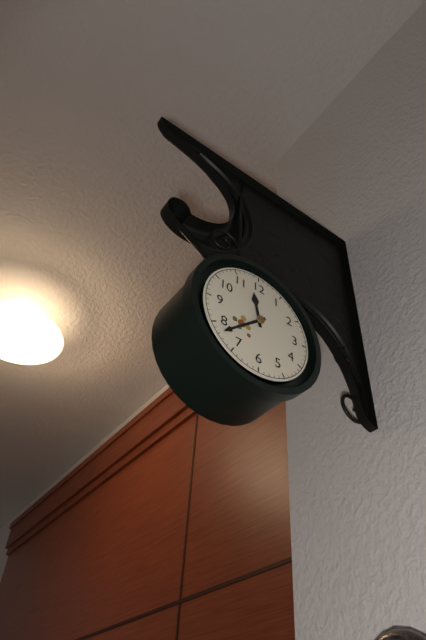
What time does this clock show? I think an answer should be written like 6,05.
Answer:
11,38
